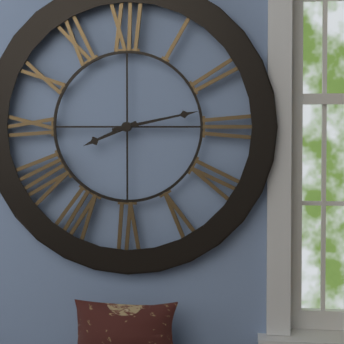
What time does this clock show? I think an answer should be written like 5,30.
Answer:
8,13
